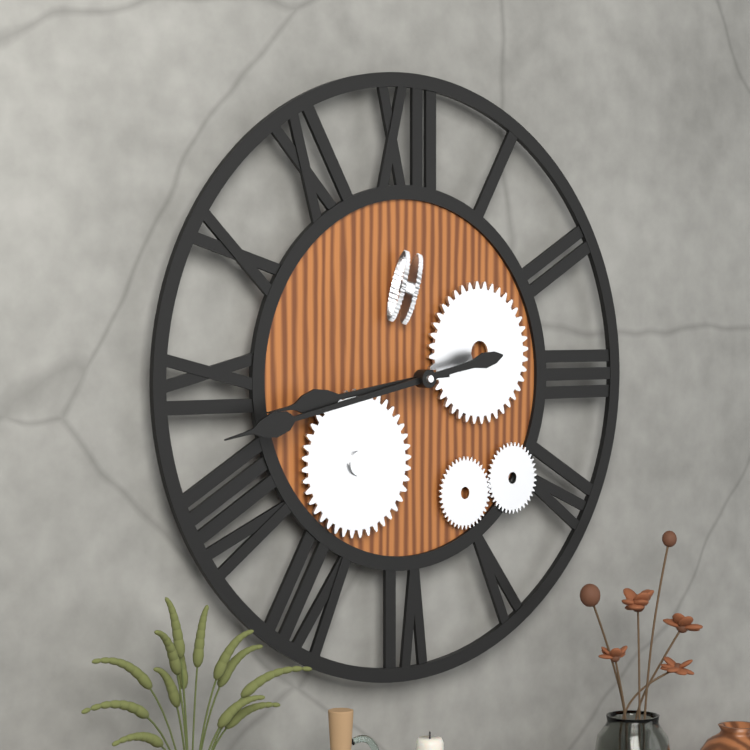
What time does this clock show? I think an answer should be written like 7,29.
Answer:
8,43
